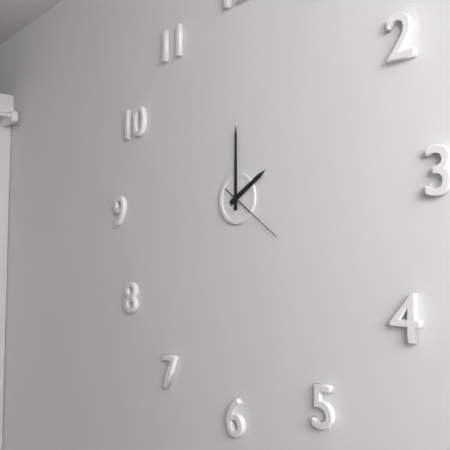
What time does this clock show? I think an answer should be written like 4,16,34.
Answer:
2,00,21
